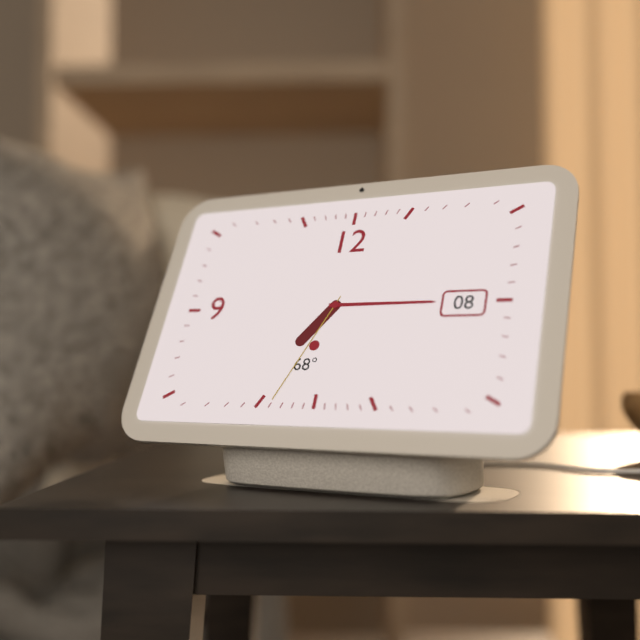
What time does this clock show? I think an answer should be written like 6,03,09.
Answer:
7,15,34
